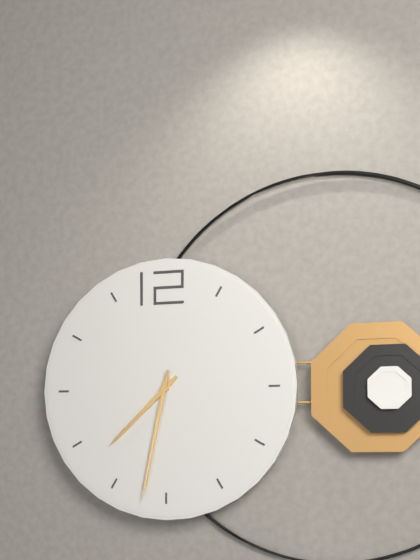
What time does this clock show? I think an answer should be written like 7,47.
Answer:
7,32
